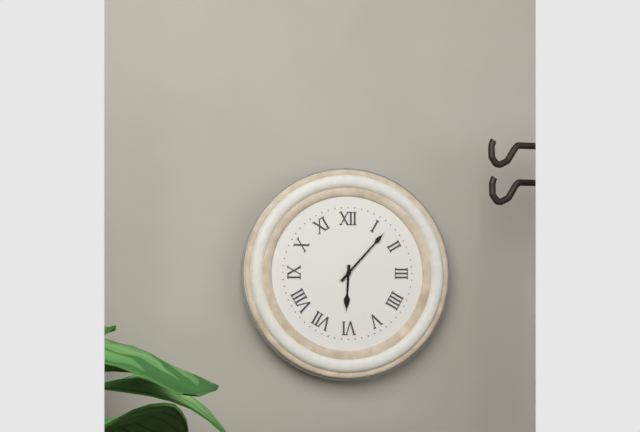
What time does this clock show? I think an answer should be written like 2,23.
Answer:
6,07
